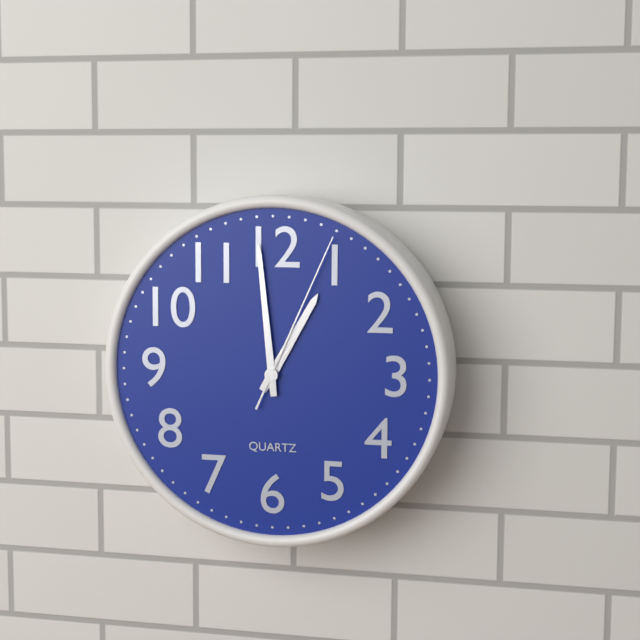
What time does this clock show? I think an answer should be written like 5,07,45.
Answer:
12,59,04
